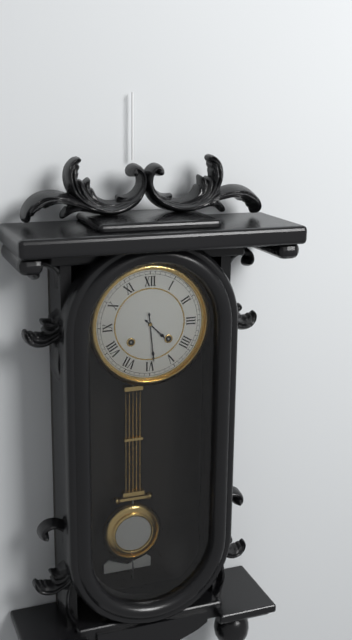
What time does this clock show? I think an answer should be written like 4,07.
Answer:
4,29
